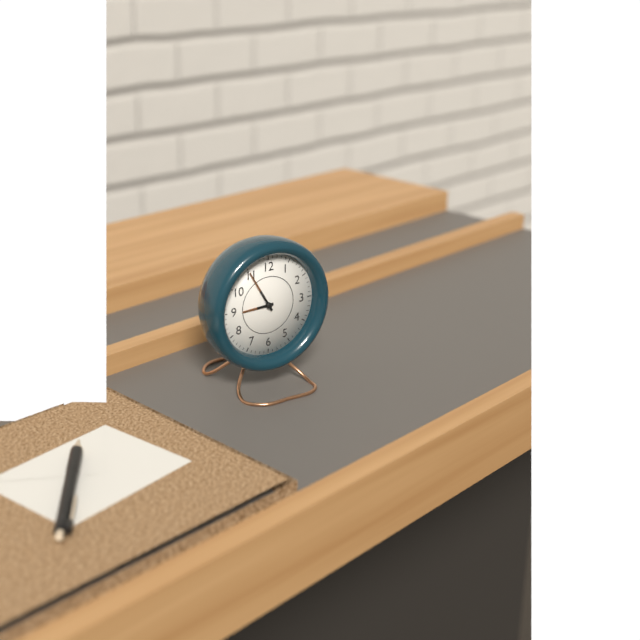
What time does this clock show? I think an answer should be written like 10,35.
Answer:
8,55
